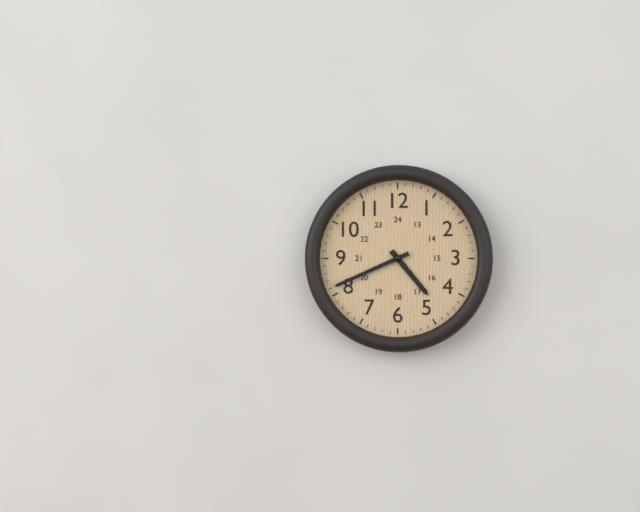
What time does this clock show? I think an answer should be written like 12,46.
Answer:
4,41
